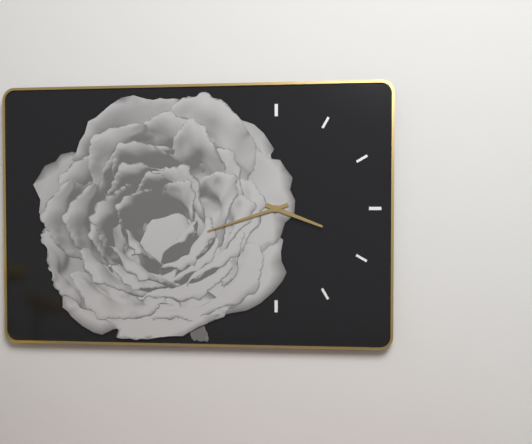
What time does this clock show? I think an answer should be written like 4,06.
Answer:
3,42
